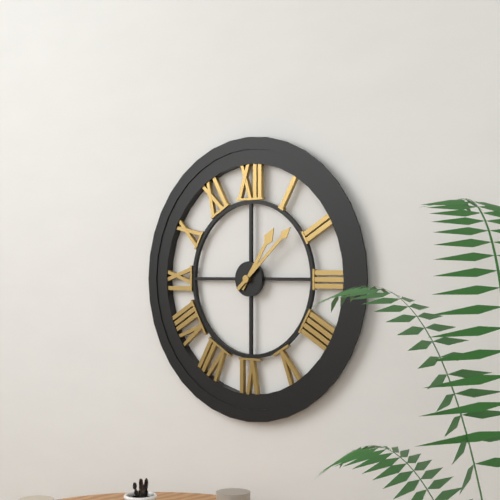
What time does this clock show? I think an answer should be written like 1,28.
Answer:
1,08
